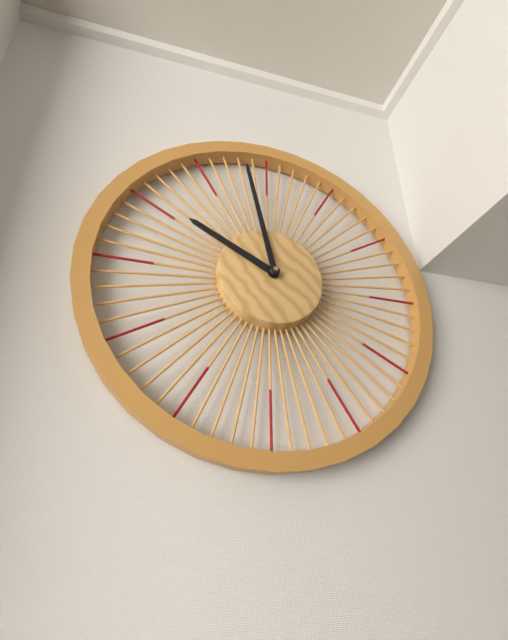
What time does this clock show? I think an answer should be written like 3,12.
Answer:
9,58
